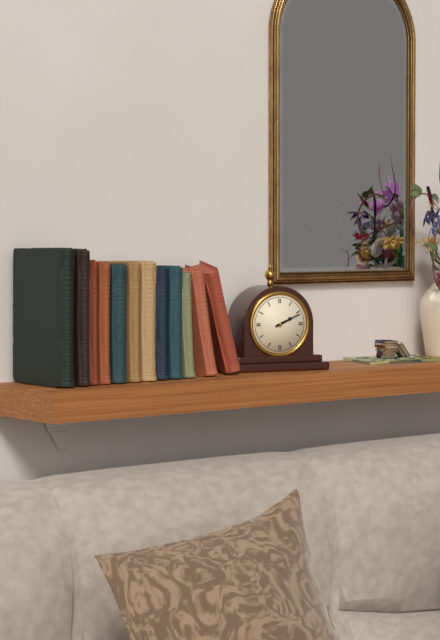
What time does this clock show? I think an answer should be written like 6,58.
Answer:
2,11
